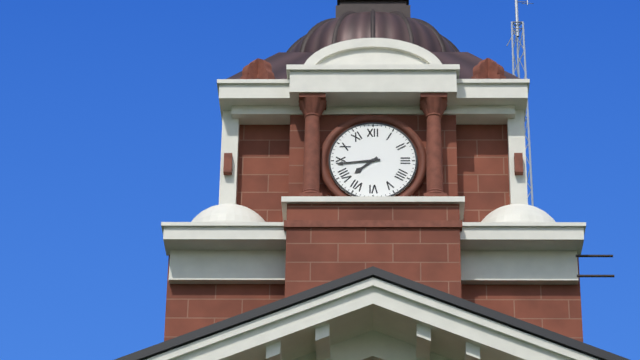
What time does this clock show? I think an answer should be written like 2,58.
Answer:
7,44
